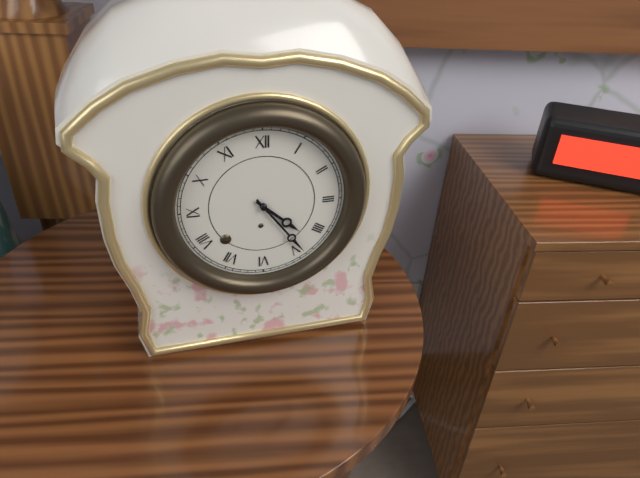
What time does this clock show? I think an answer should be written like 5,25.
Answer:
4,24
